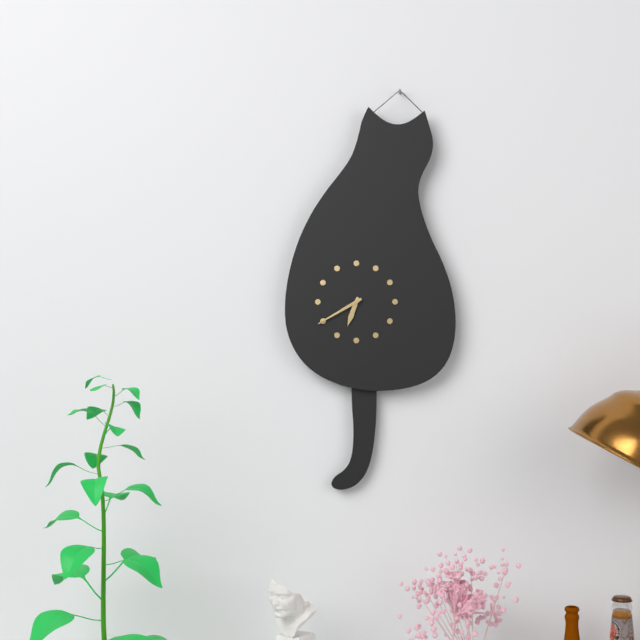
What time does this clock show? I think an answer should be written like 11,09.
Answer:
6,40
